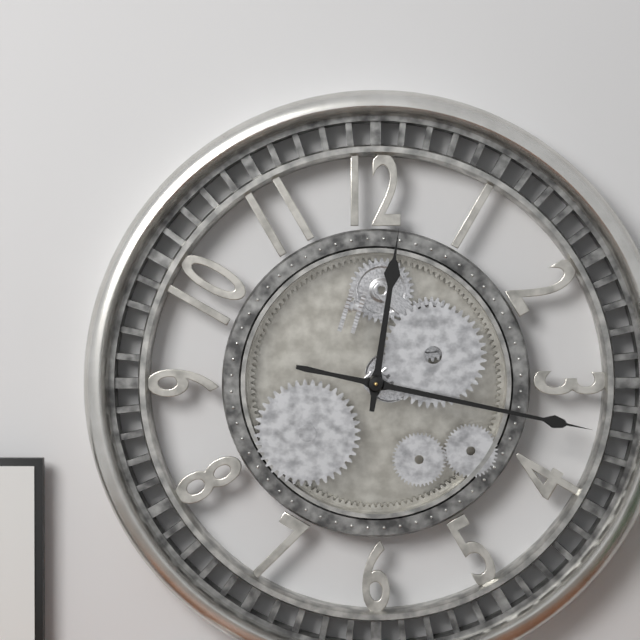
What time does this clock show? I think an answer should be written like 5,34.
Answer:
12,17
